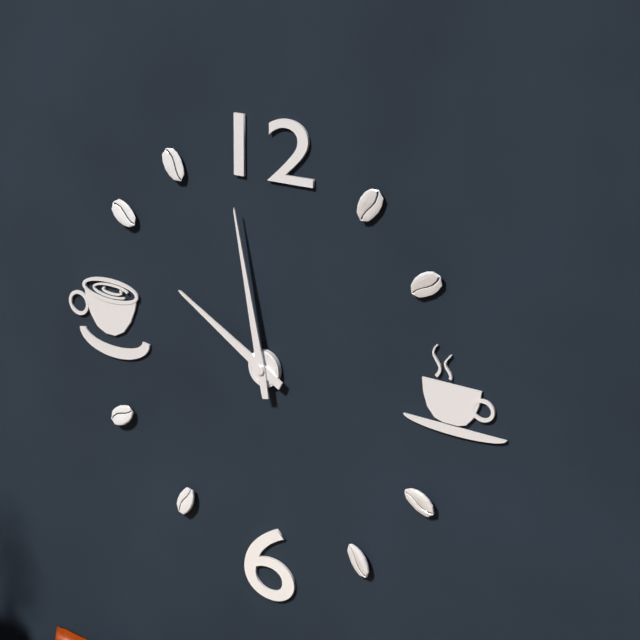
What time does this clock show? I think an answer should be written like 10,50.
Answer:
9,58
